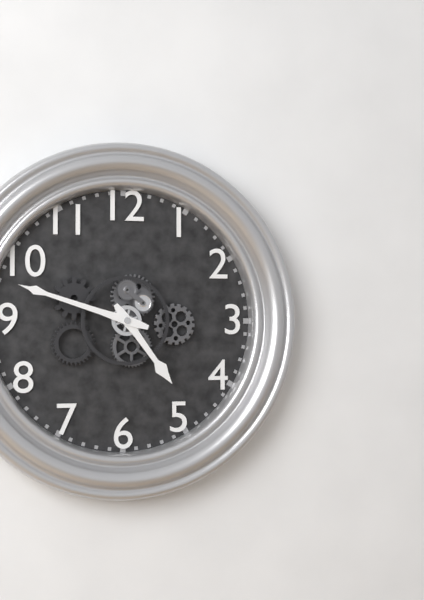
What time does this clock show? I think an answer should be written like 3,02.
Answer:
4,48
